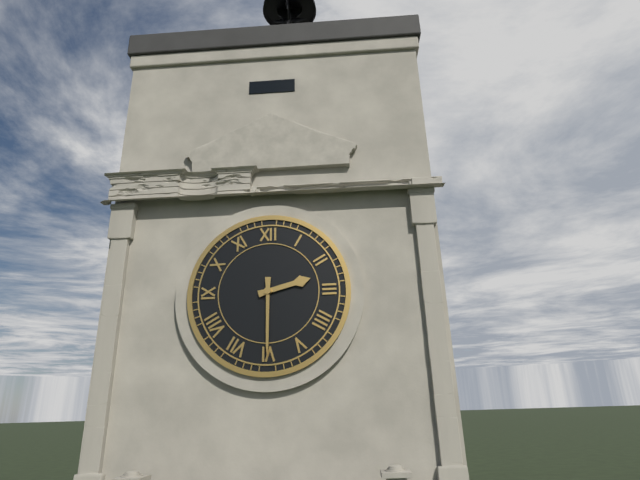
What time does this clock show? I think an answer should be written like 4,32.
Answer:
2,30
